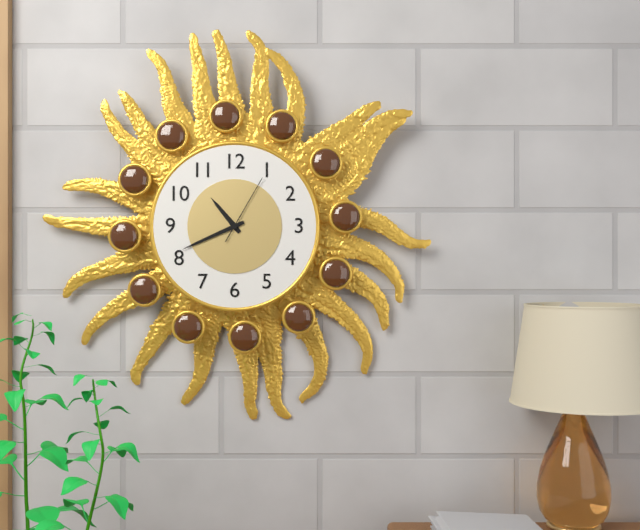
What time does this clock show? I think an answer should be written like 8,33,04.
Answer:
10,41,05
